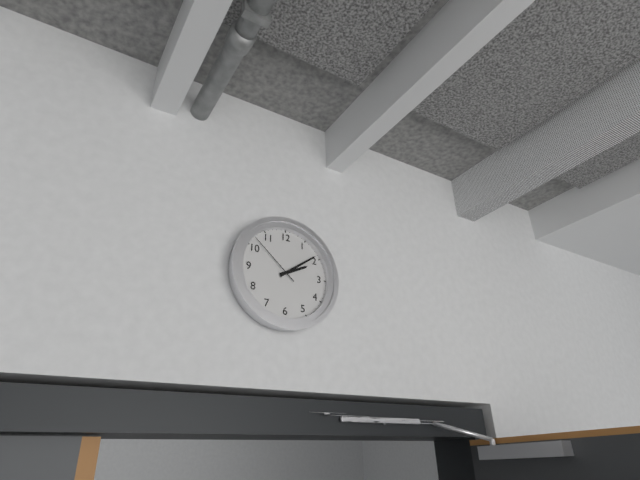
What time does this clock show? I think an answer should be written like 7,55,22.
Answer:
2,09,52
